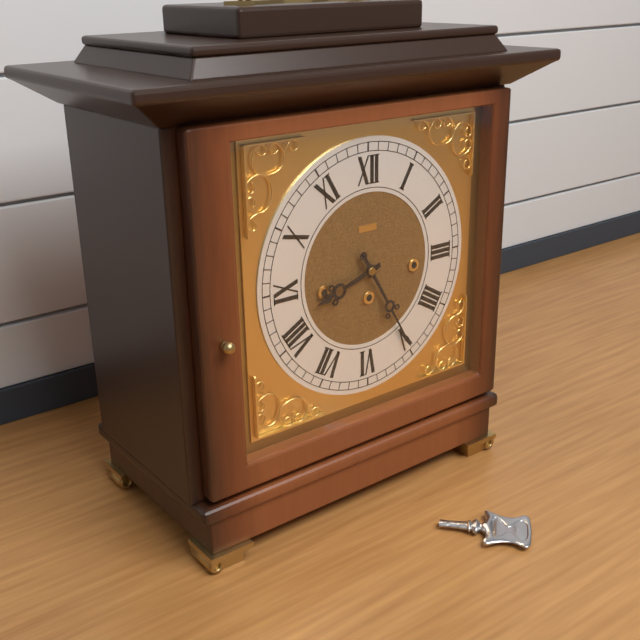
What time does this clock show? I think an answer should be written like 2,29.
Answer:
8,25
